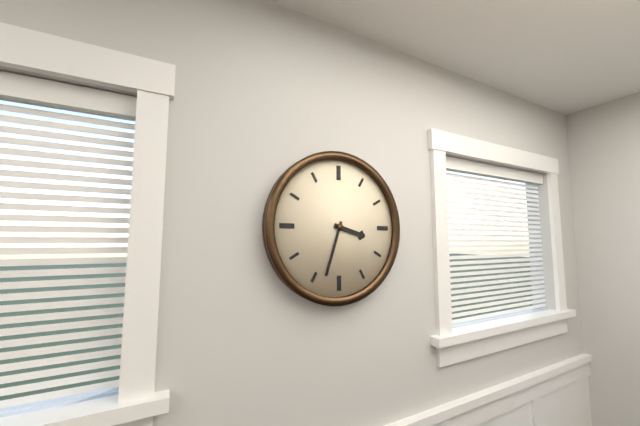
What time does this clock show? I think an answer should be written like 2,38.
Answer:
3,33
